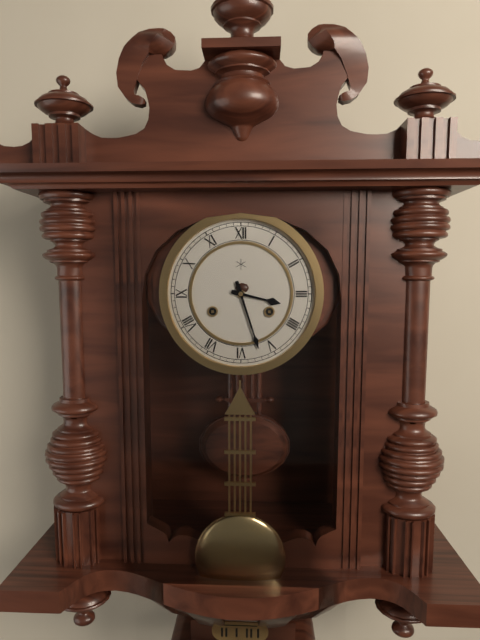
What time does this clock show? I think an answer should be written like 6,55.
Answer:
3,27
